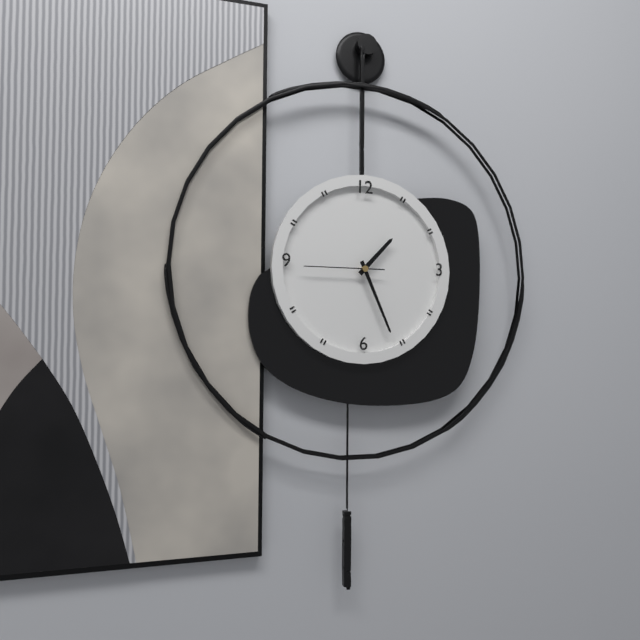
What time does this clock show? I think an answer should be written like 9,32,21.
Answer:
1,26,45
